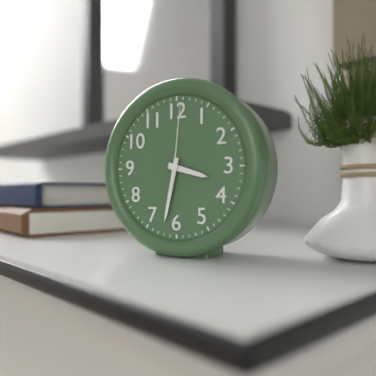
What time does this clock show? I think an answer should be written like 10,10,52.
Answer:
3,32,01
